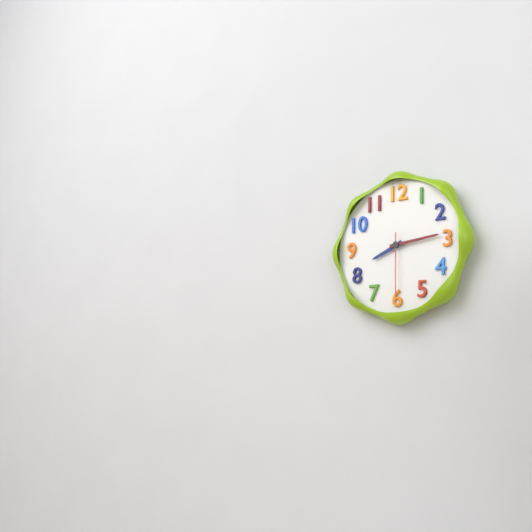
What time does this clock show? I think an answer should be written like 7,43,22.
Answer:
8,14,30
